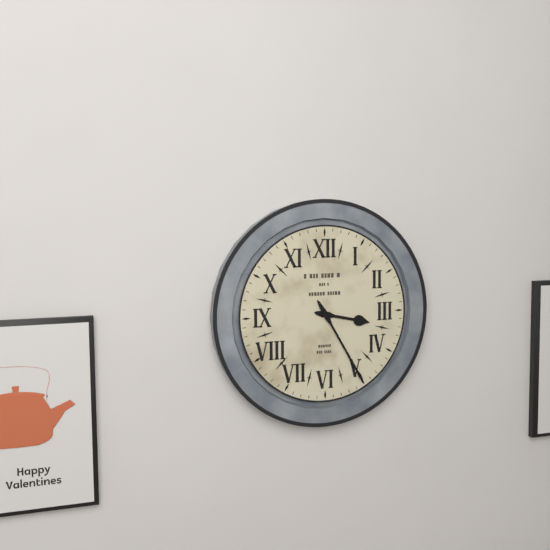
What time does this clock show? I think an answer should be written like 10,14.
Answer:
3,25
